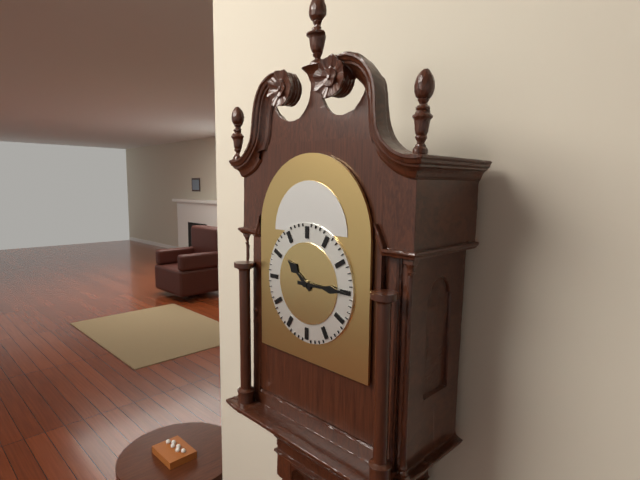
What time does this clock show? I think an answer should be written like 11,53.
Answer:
10,15
